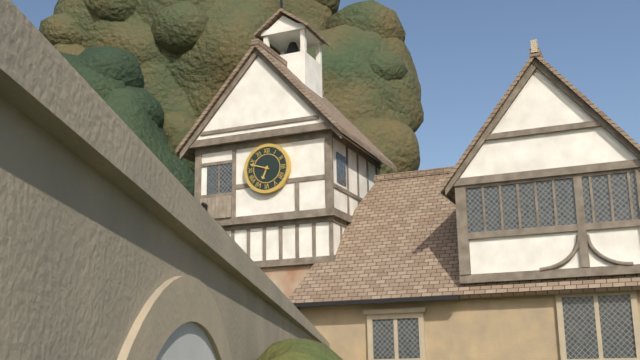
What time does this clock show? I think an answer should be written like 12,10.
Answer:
6,48
